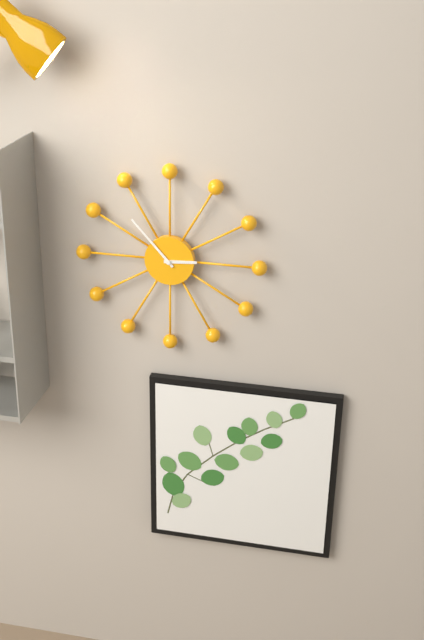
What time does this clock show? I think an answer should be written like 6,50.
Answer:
2,53
